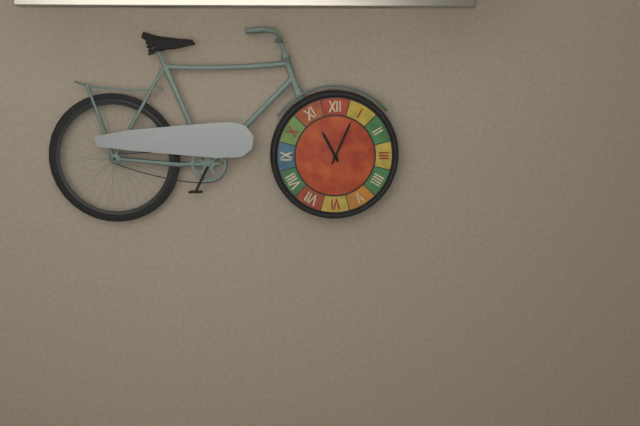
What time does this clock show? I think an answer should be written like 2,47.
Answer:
11,04
